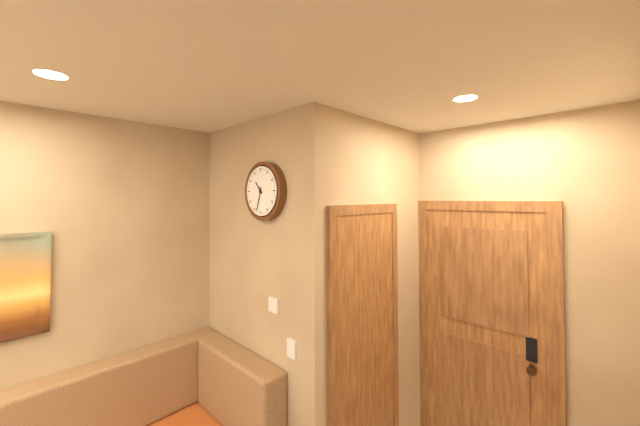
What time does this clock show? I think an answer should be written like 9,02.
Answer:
10,33
